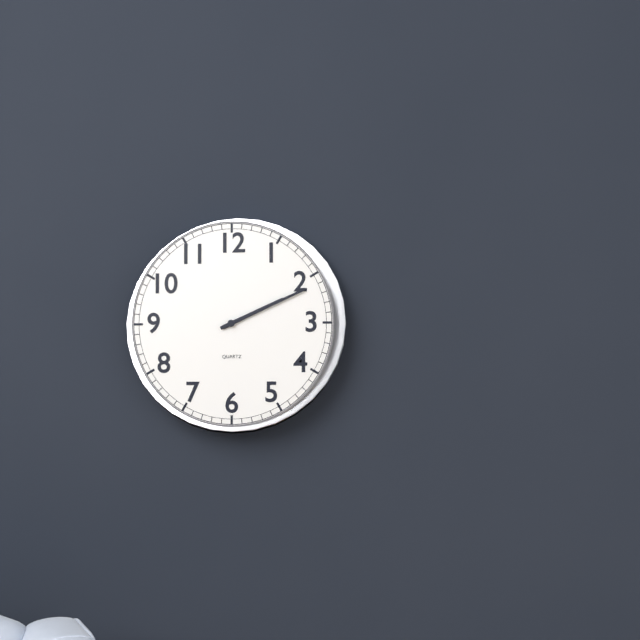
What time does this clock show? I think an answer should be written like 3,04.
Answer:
2,11
